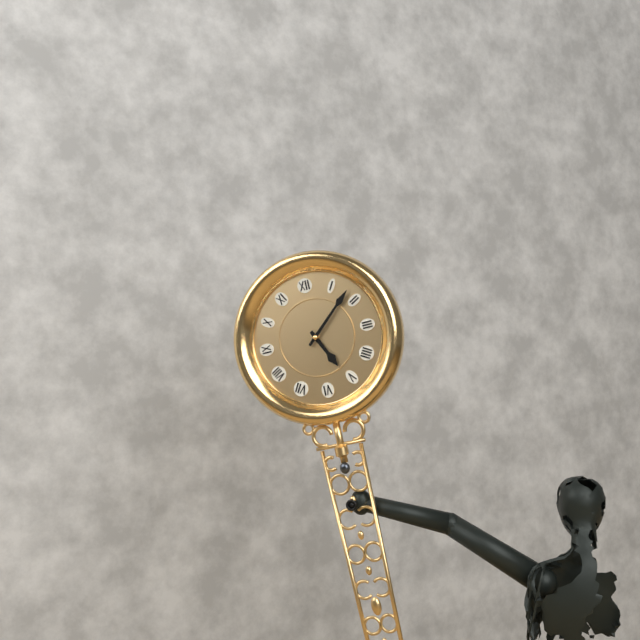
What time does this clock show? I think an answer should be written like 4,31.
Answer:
5,08
